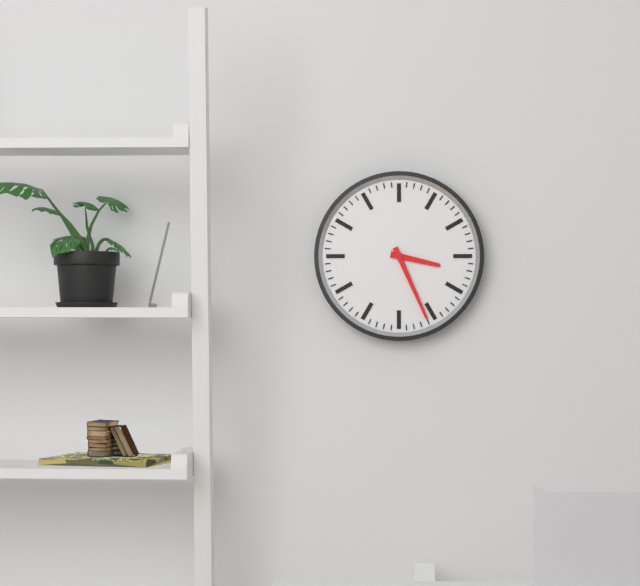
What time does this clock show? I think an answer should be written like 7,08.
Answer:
3,26
